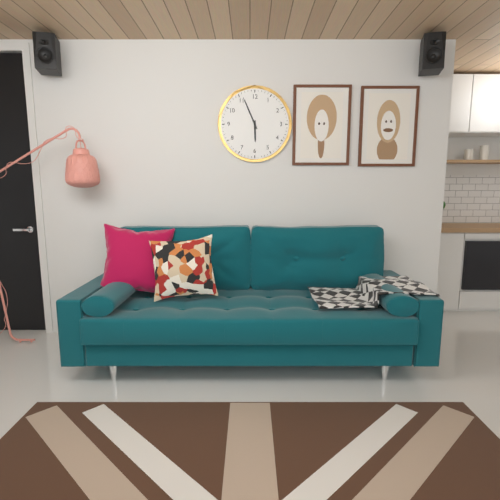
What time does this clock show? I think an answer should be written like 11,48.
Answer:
5,56
